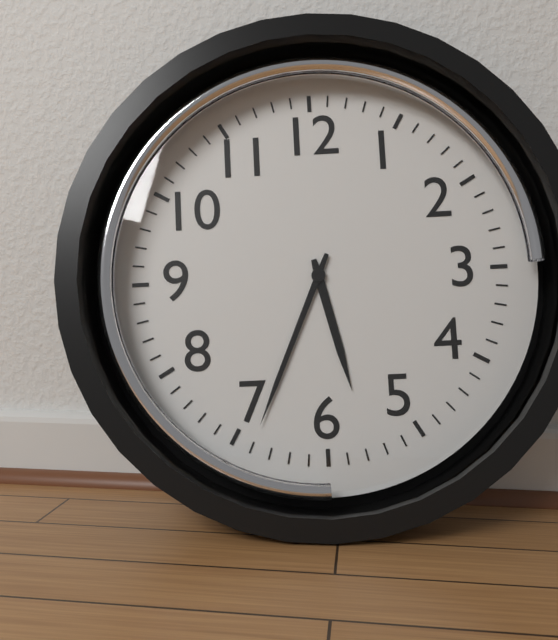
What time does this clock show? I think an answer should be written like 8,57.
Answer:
5,34
